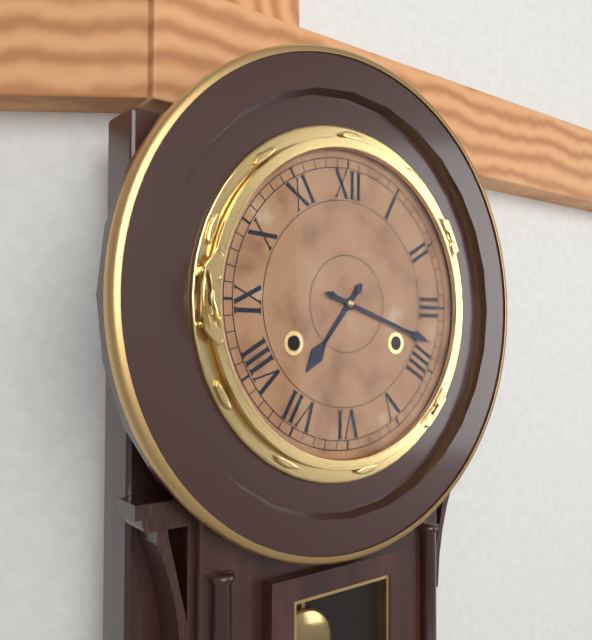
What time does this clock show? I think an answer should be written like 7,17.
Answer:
7,18
